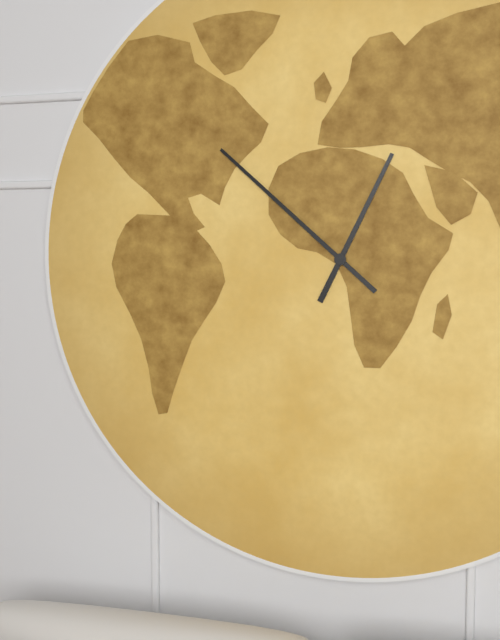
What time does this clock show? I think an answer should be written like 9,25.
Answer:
12,52
